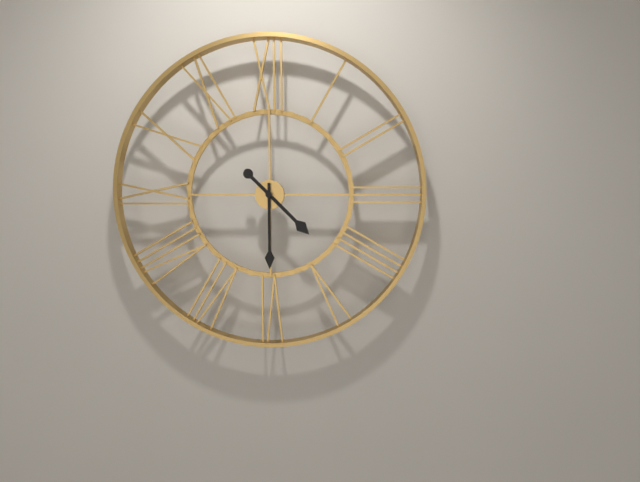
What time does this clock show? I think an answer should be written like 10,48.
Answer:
4,30
